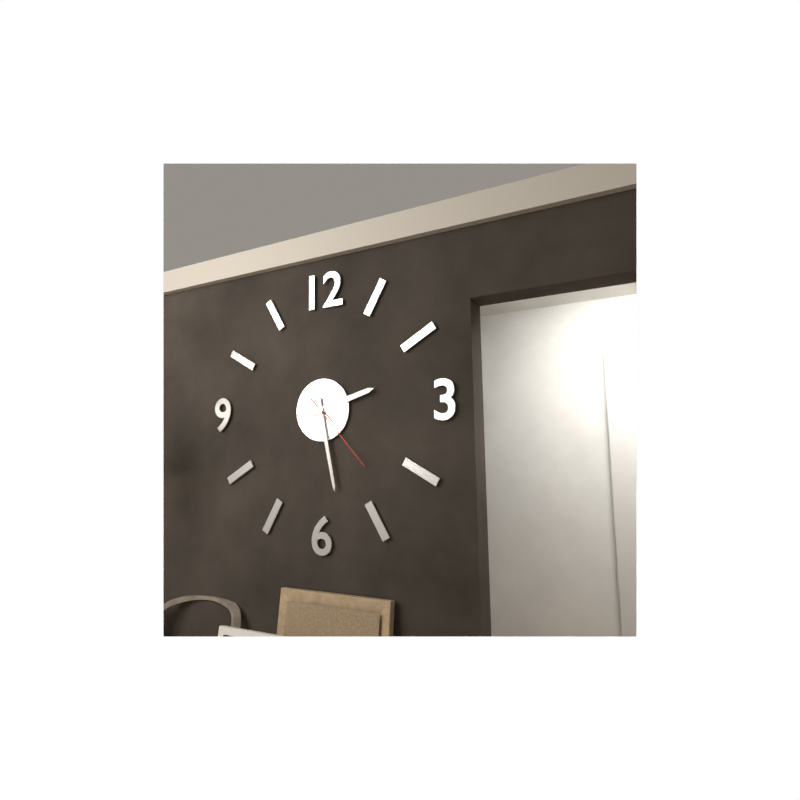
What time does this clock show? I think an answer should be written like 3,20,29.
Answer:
2,28,23
